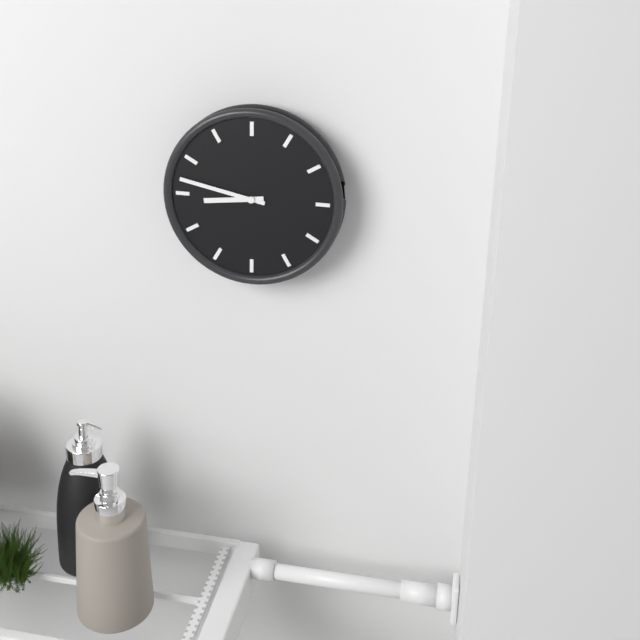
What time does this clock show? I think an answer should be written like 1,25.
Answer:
8,47
